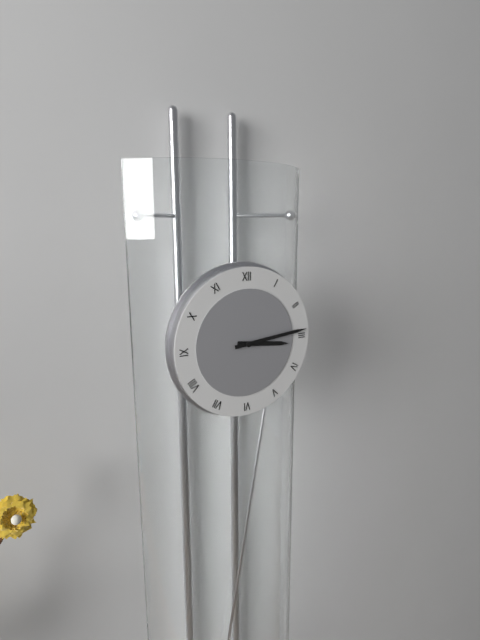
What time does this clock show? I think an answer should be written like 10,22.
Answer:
3,14
